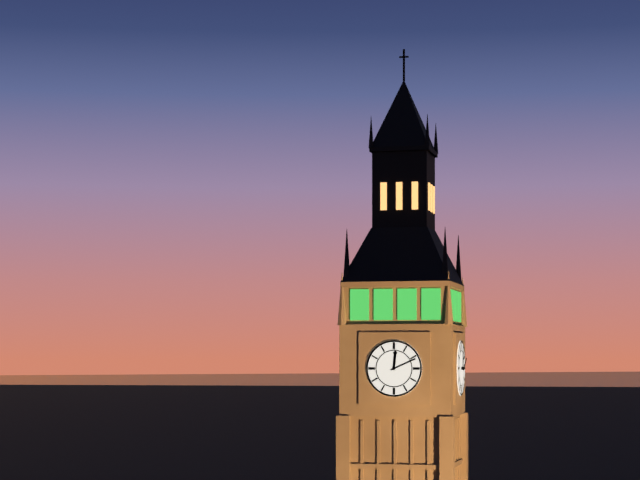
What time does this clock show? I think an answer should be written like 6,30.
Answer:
12,11
